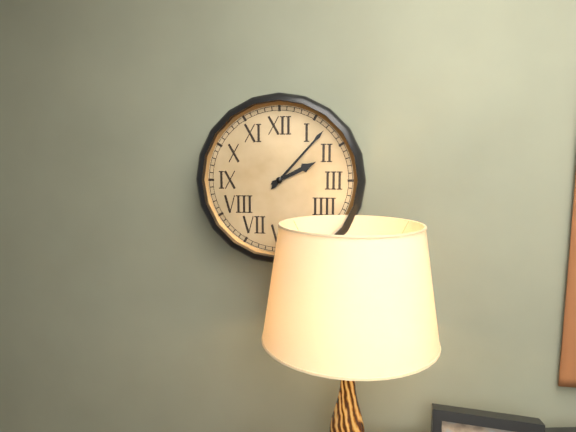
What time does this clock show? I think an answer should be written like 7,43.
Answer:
2,07
